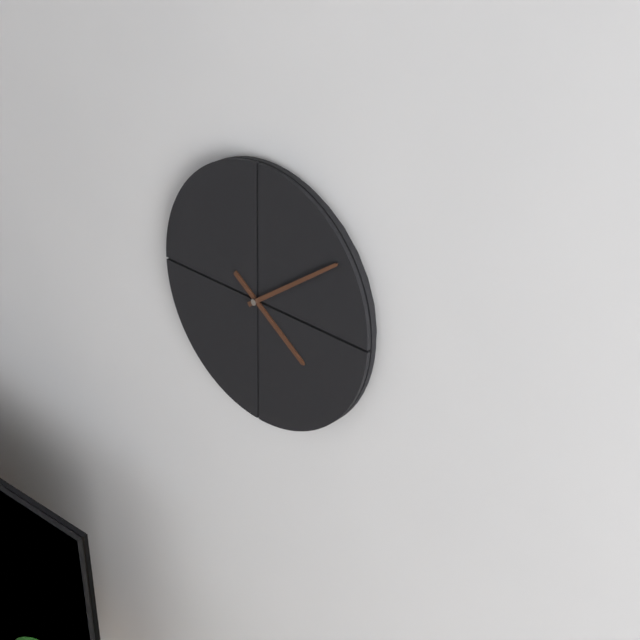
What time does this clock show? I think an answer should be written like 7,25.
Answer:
4,09
